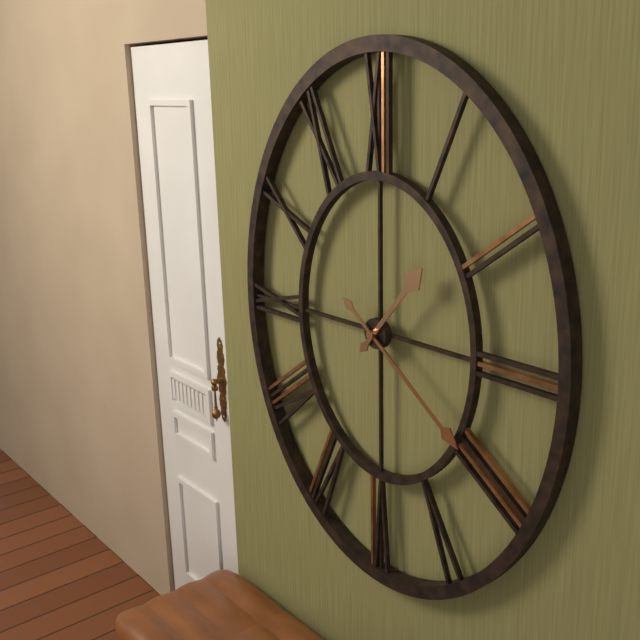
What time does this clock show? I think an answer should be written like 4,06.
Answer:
1,21
